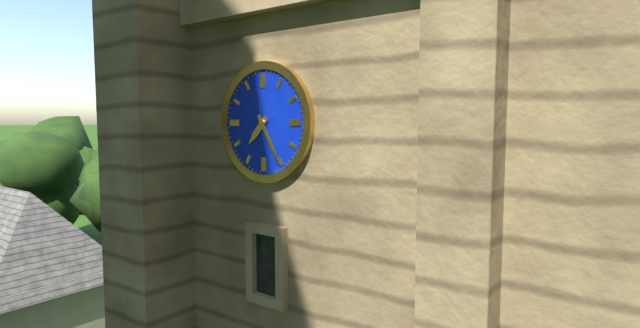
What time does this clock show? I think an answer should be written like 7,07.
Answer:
7,25
